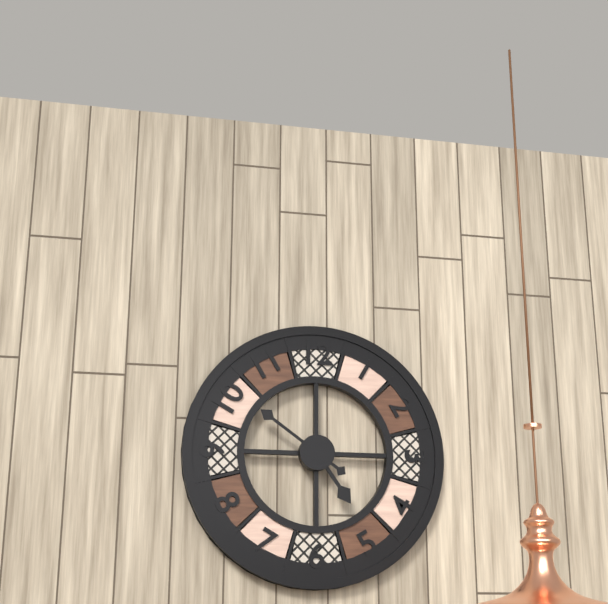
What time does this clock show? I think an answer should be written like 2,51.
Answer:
4,51
